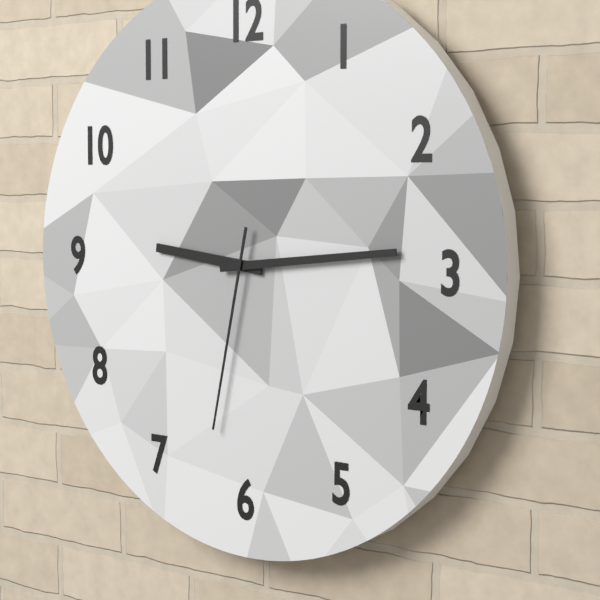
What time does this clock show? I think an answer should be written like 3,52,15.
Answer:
9,14,32
